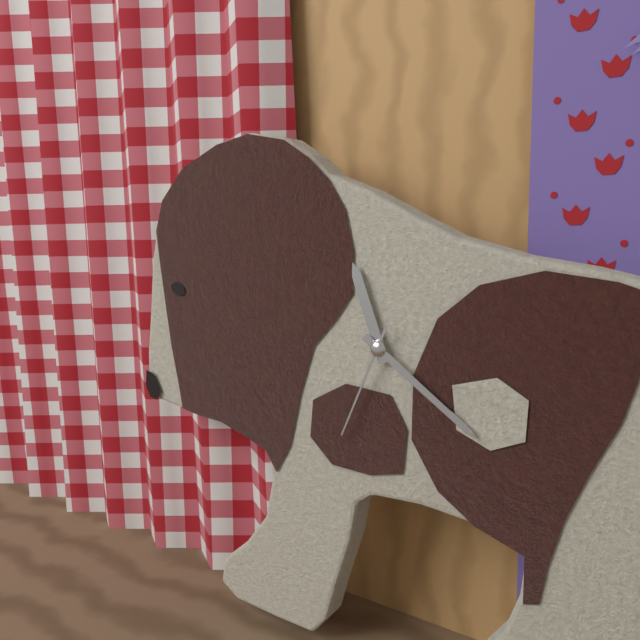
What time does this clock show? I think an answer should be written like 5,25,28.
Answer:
11,21,34
